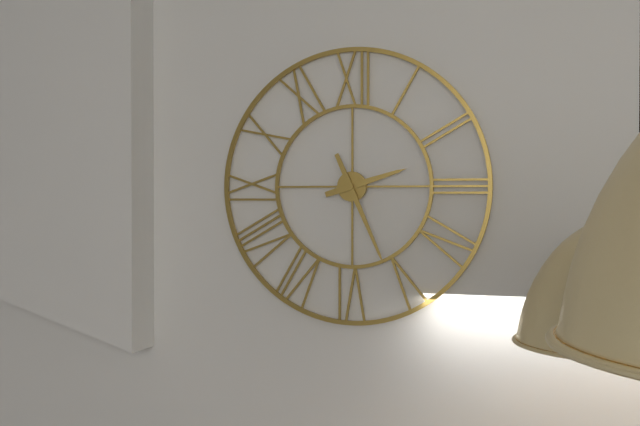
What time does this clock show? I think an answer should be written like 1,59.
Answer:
2,26
